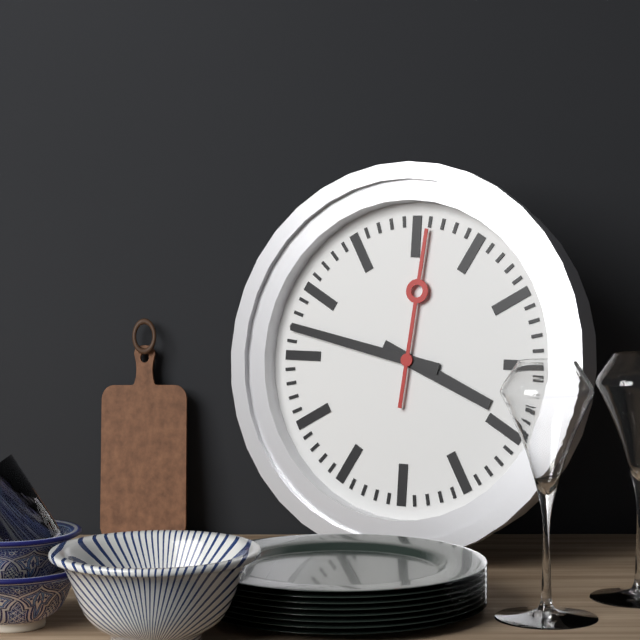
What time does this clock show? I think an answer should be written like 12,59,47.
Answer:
3,47,01
